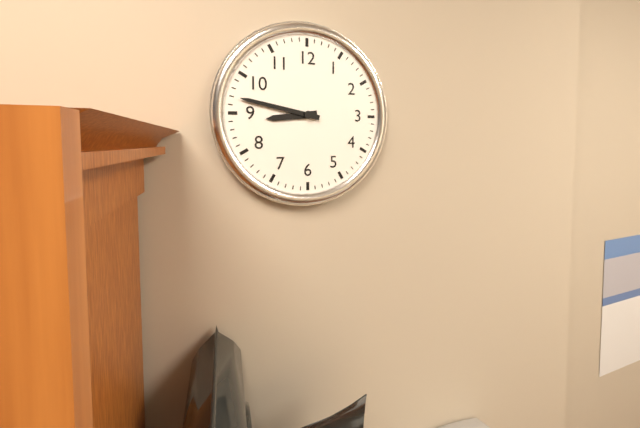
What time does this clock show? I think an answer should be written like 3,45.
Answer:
8,47
